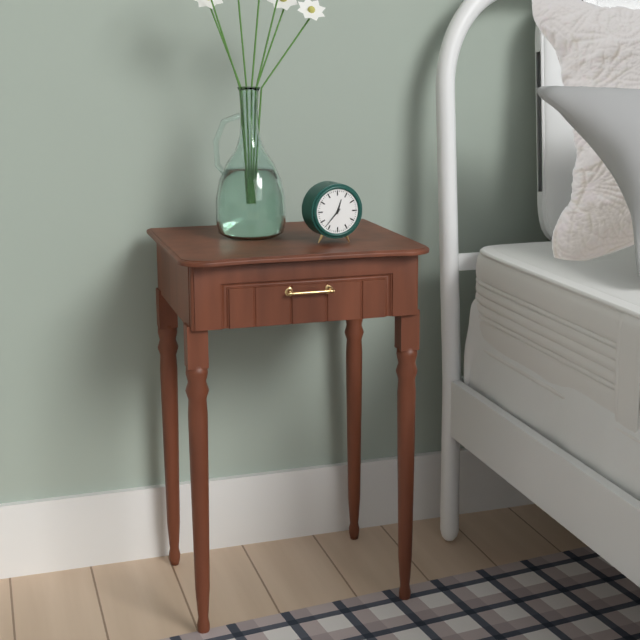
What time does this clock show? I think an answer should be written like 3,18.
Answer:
12,37
